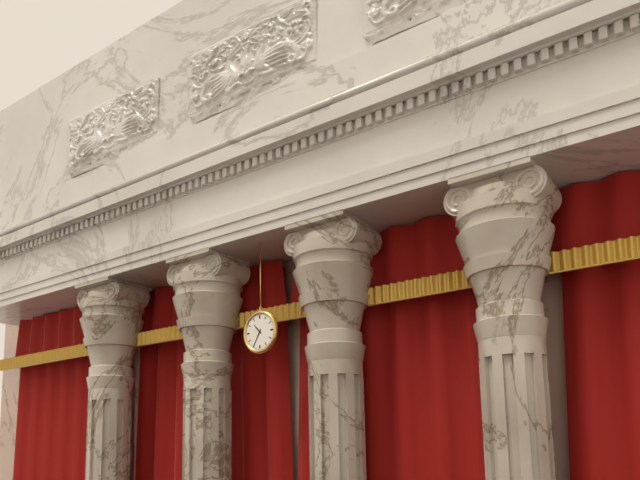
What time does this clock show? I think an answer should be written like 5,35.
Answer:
10,35
